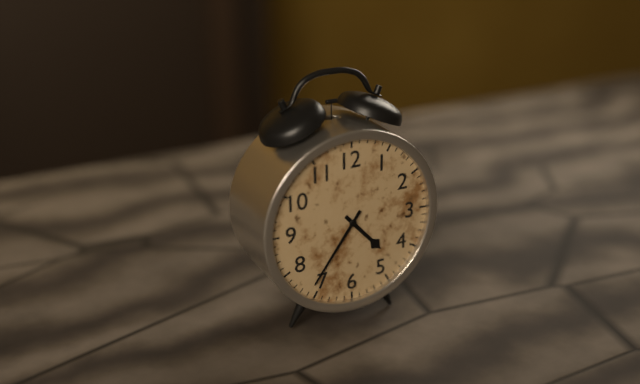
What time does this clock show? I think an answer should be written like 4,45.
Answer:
4,36
